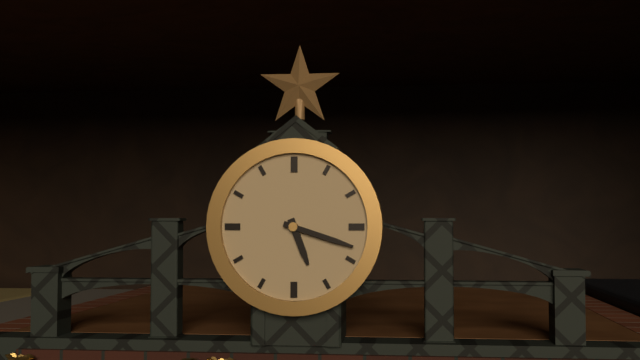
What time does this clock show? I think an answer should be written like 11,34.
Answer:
5,18
